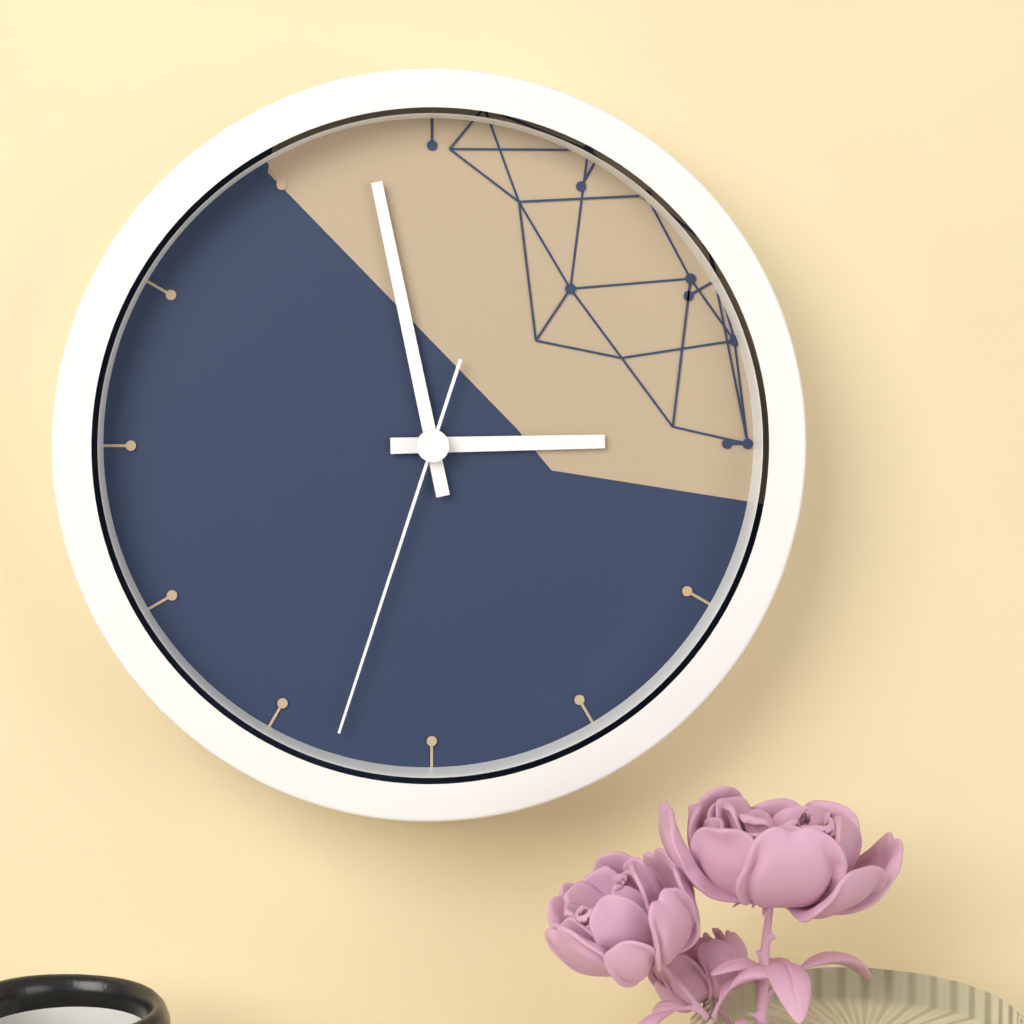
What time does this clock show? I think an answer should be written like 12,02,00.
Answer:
2,58,33
